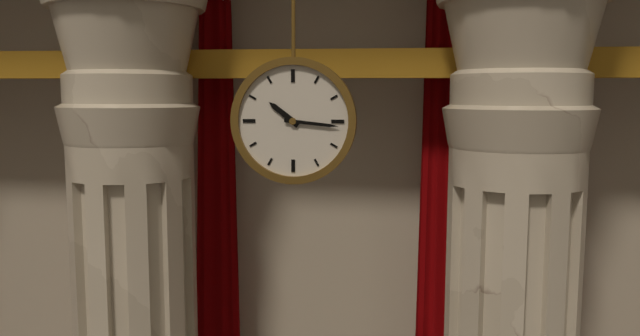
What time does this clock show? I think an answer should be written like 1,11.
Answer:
10,16
